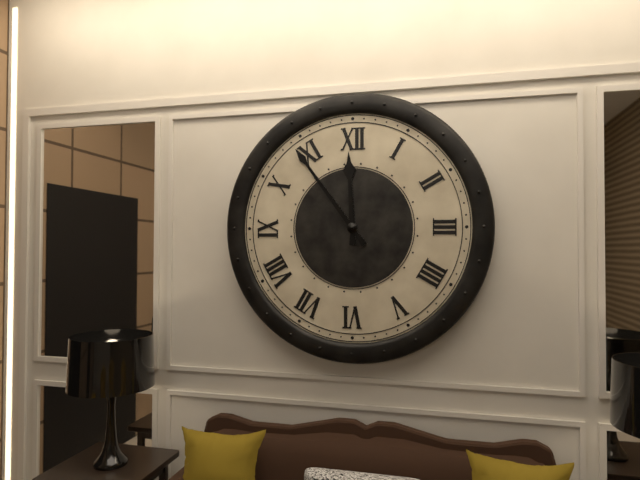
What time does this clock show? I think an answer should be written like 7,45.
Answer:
11,54
